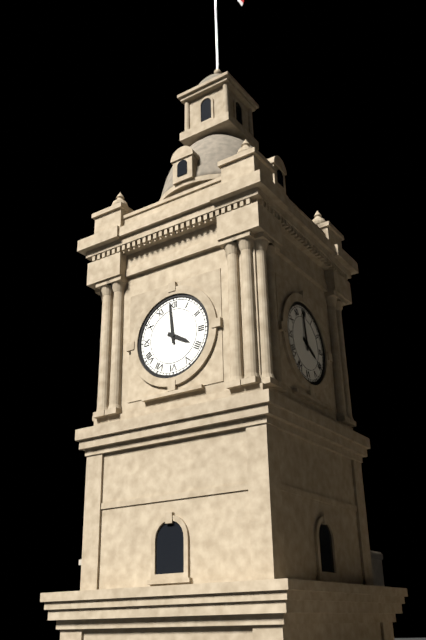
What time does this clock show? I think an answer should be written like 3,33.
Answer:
3,59
